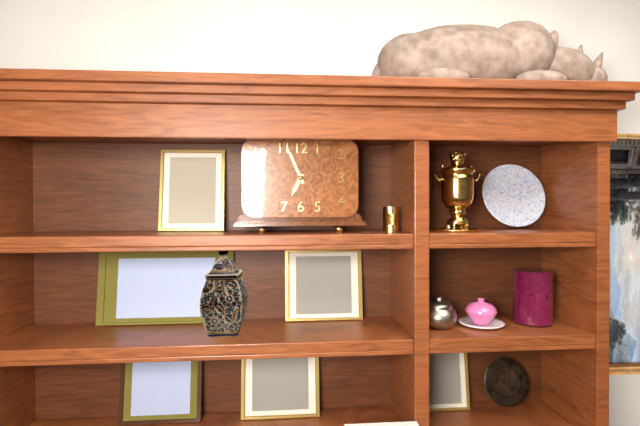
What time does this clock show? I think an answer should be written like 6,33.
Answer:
6,56
